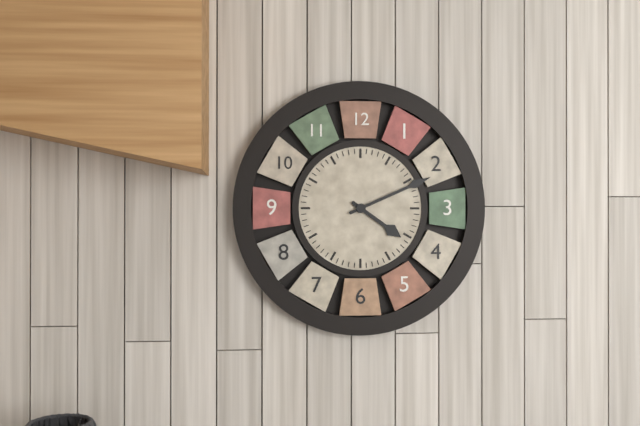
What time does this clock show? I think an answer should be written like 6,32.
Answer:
4,11
